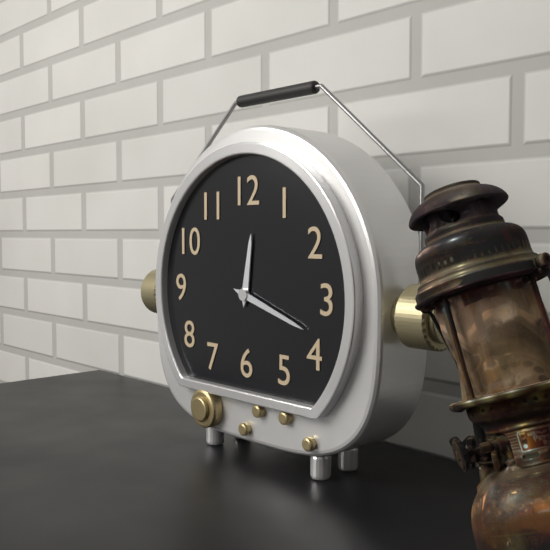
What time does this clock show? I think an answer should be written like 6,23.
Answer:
12,18
